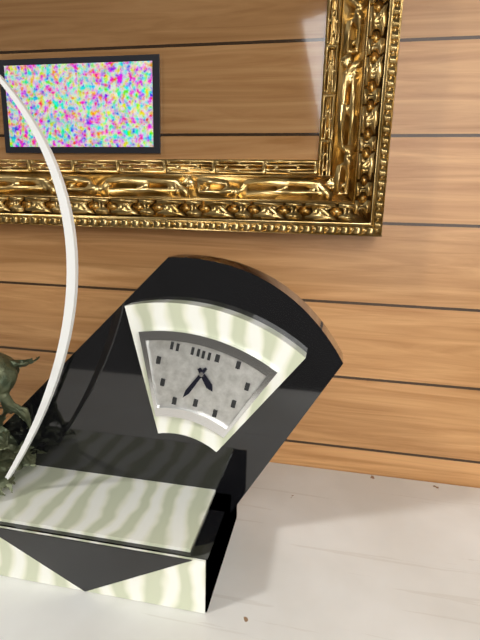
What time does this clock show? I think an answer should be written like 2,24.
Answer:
4,34
